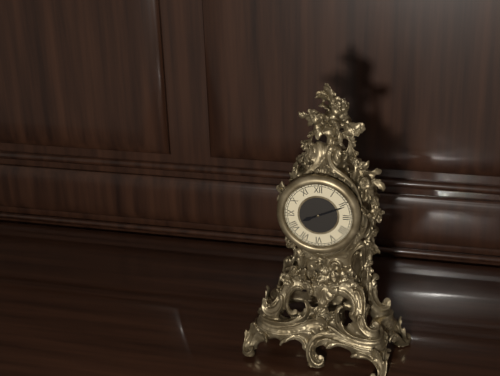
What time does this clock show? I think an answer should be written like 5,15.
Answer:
8,11
